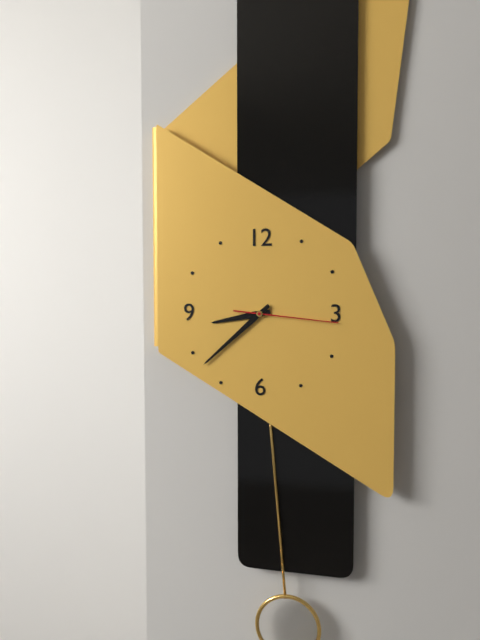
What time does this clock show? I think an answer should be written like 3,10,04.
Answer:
8,38,16
